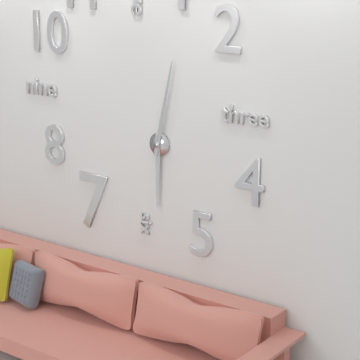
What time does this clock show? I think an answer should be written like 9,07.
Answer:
6,02
